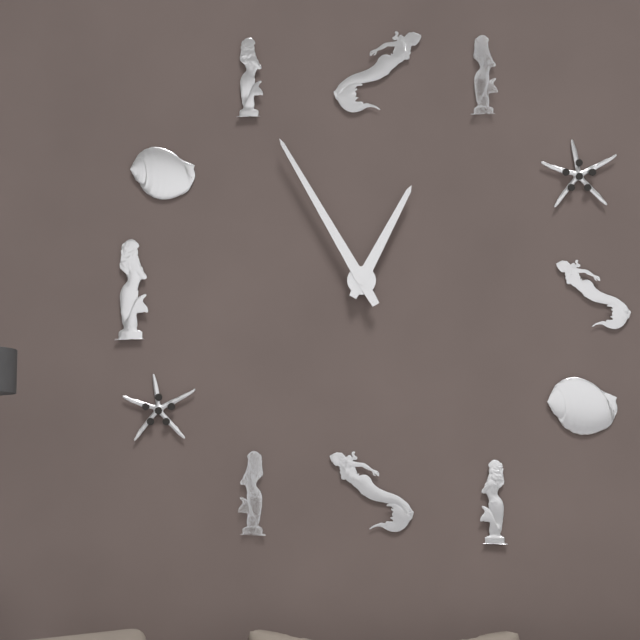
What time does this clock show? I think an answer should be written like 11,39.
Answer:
12,55
